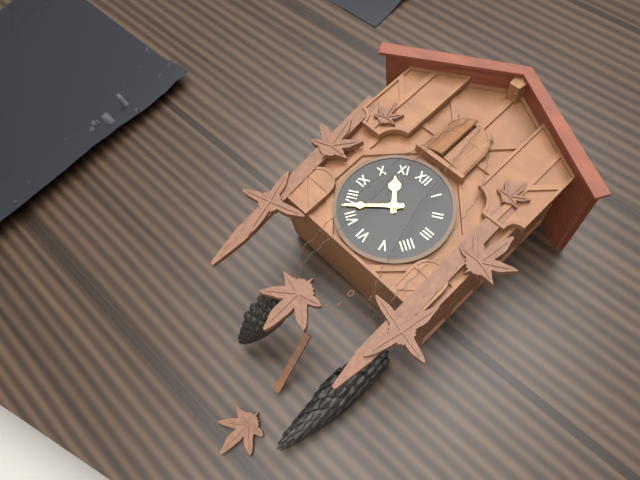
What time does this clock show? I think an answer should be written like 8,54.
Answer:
10,38
